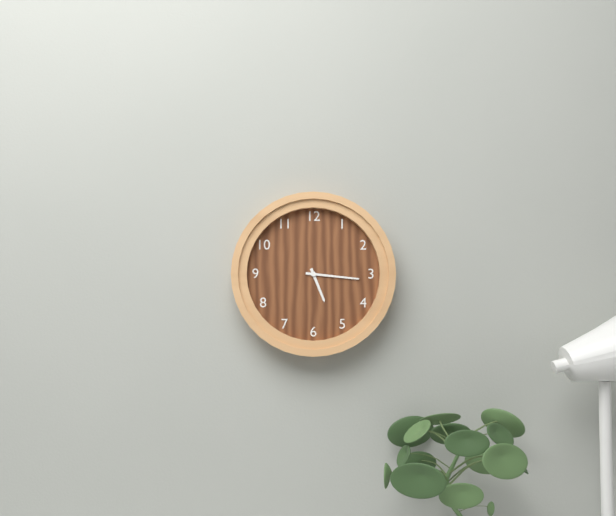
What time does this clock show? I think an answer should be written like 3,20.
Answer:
5,16
